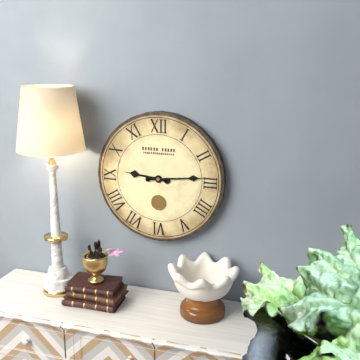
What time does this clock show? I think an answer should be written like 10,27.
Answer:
9,14
